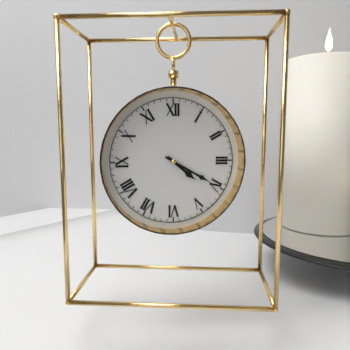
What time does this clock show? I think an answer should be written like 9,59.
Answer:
4,20
